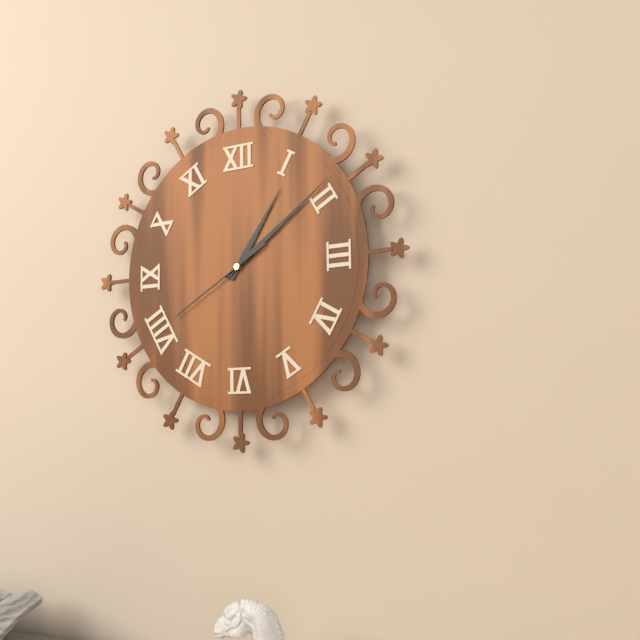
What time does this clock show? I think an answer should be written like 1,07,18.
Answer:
1,09,40
